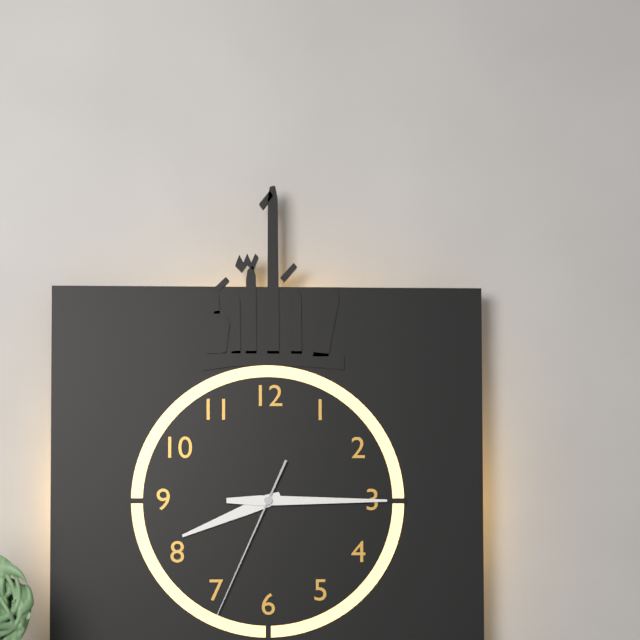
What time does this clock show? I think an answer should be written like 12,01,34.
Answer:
8,15,34
